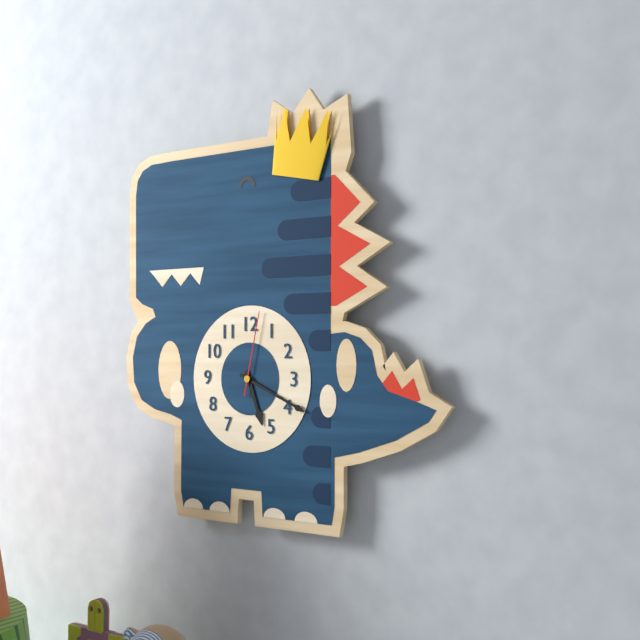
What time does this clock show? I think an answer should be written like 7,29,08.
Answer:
5,19,02
